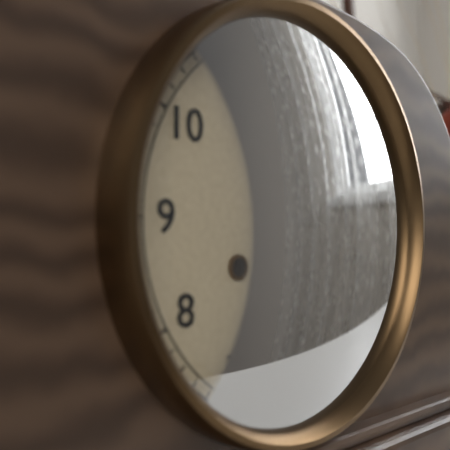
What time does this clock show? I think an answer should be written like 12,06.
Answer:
11,28
